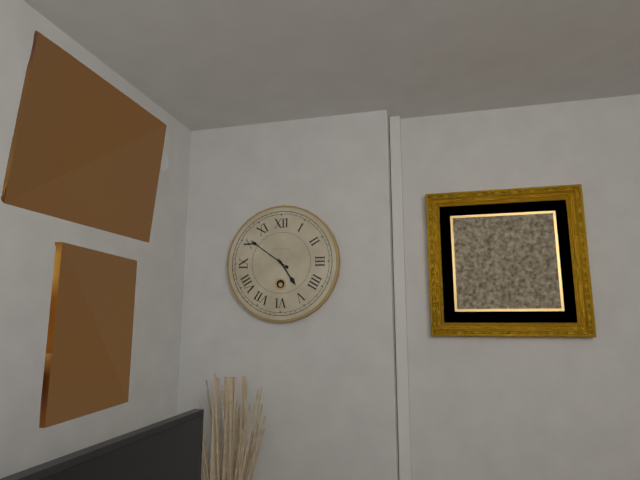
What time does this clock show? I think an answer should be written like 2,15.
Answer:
4,51
